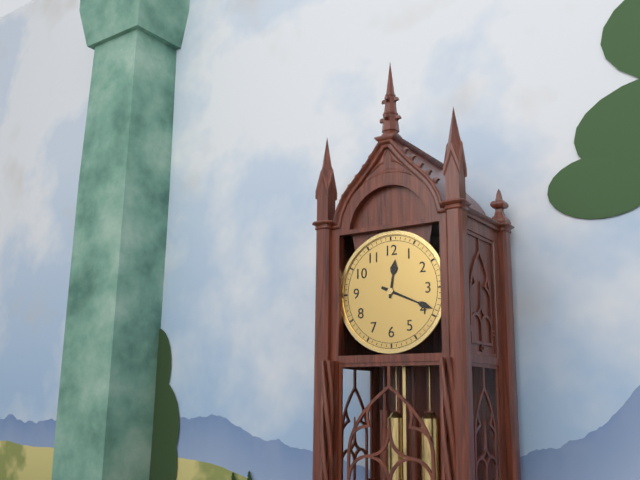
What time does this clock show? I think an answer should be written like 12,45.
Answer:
12,19
